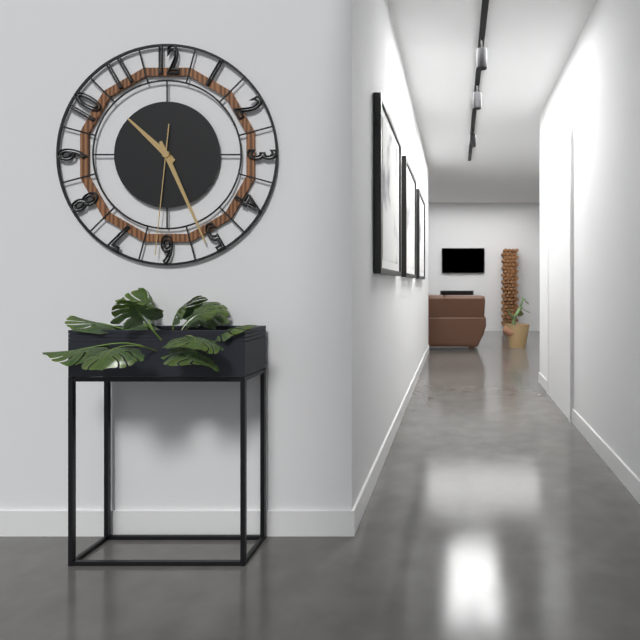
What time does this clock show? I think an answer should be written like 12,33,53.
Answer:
10,26,31
